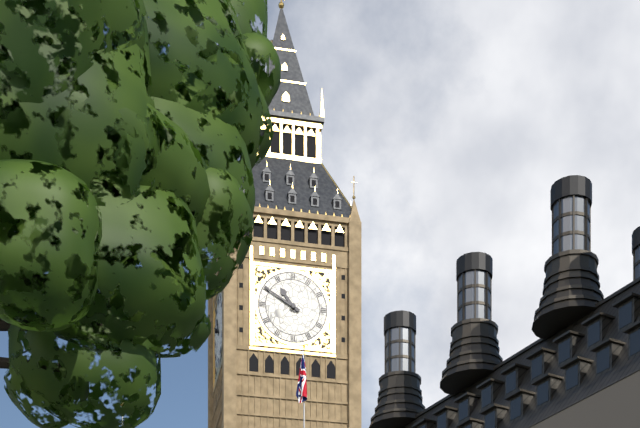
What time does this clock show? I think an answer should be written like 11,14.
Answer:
10,50
